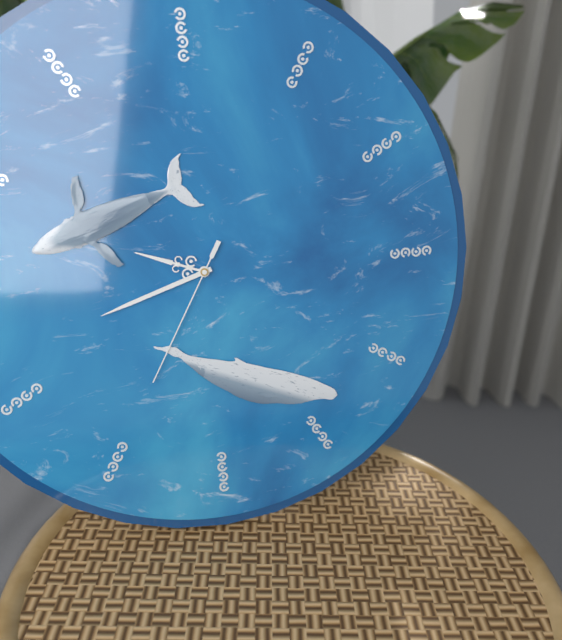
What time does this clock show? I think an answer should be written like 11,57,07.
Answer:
9,42,35
